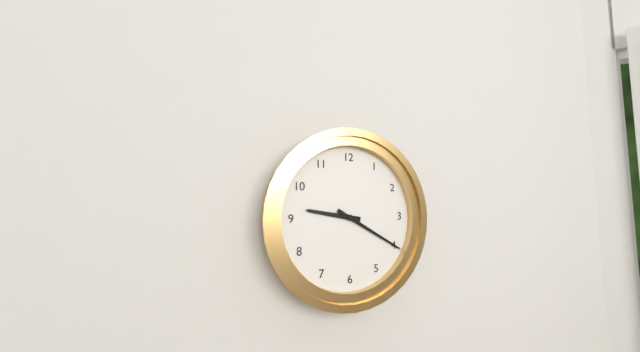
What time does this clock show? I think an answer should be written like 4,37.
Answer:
9,20
